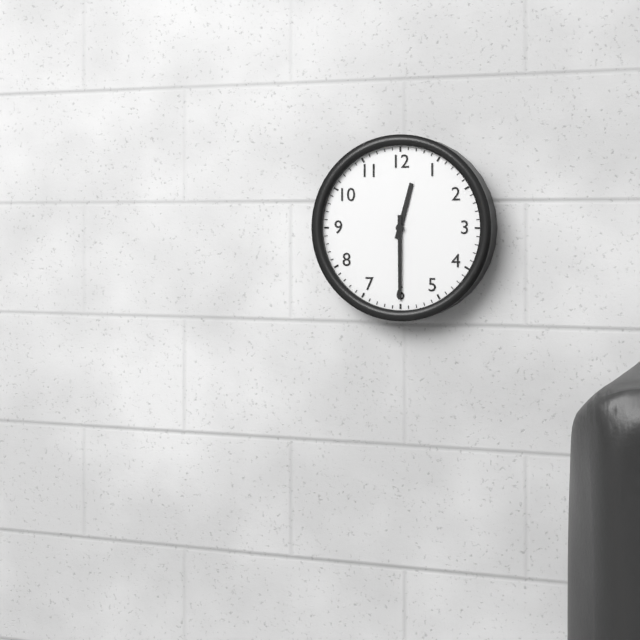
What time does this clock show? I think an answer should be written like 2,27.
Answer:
12,30
